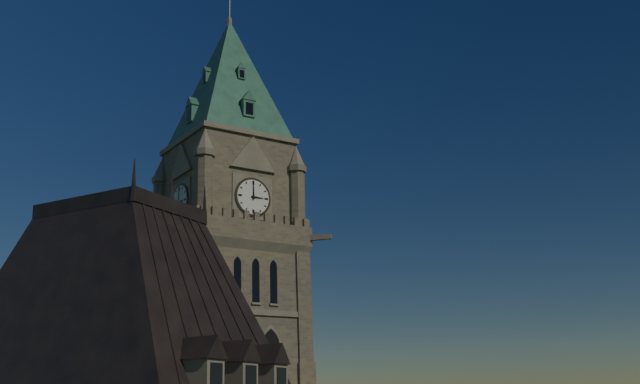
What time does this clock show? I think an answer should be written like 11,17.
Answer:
3,00
